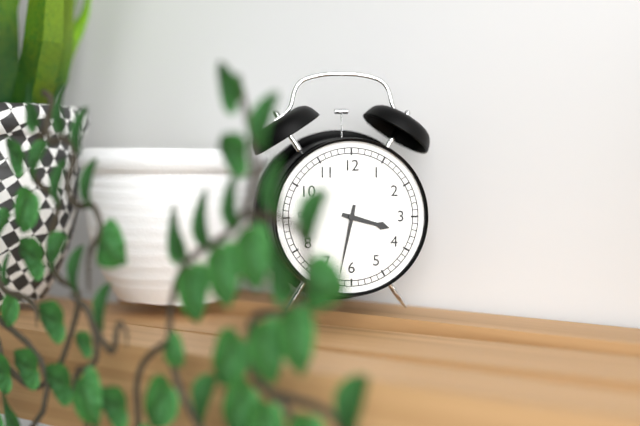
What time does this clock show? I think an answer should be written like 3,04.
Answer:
3,32
